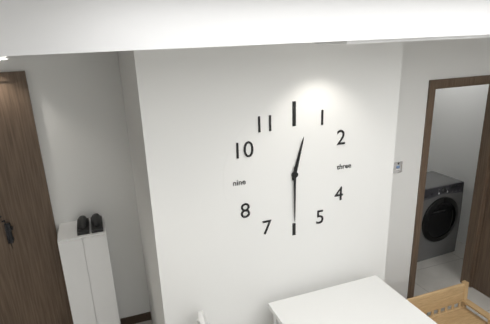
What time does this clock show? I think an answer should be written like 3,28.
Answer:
12,30
